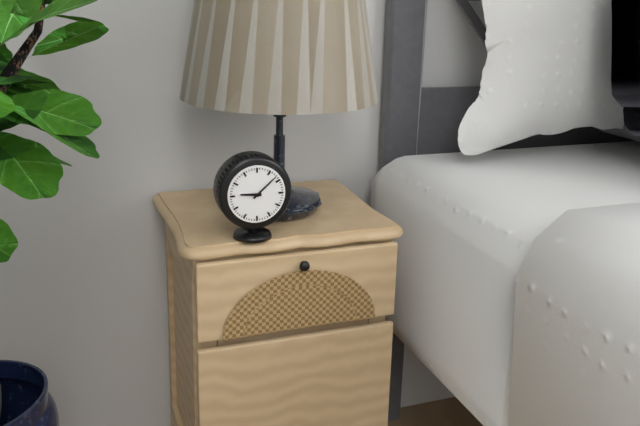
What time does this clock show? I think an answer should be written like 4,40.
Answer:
9,08
